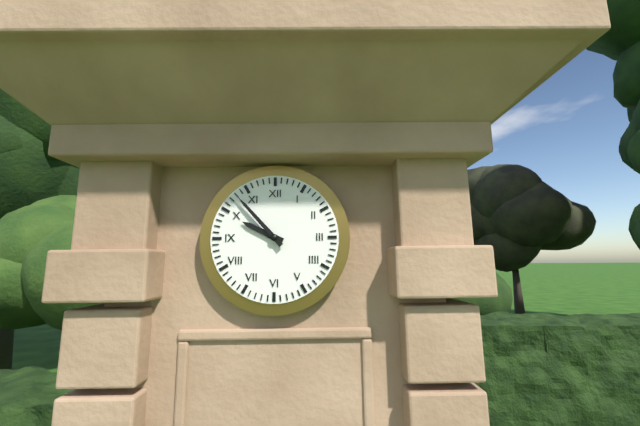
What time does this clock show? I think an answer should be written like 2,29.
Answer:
9,53
